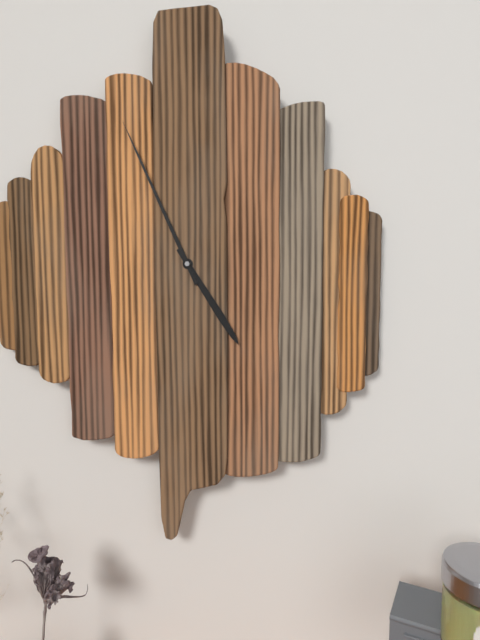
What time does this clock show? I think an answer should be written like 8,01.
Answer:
4,56
